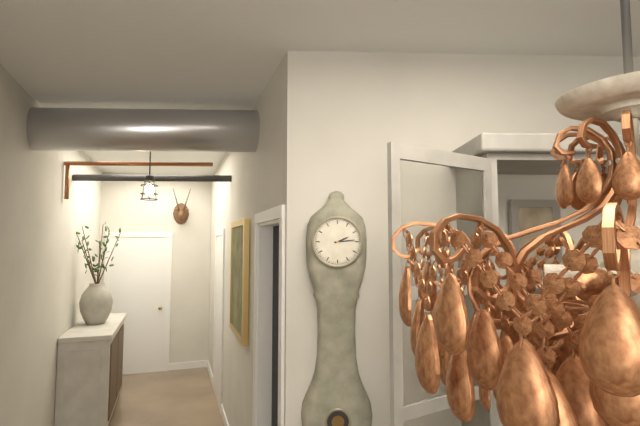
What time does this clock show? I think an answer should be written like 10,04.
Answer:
2,14
